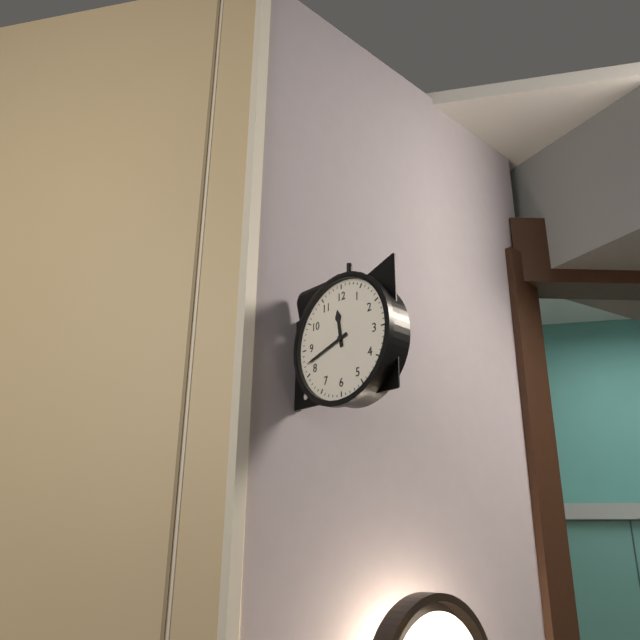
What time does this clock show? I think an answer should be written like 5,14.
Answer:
11,42
